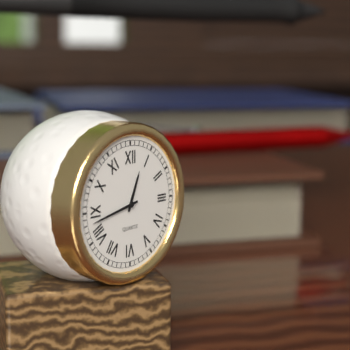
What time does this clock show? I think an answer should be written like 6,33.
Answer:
12,43
